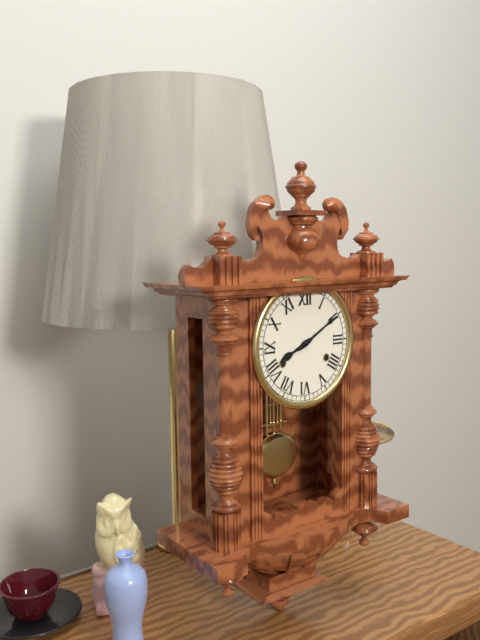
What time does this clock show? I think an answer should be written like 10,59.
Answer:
8,10
